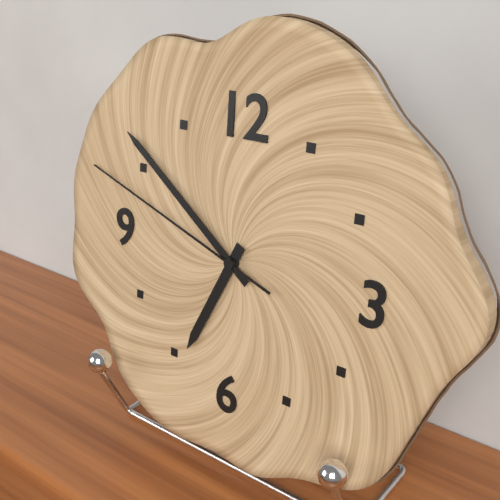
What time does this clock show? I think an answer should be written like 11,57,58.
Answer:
6,51,48
